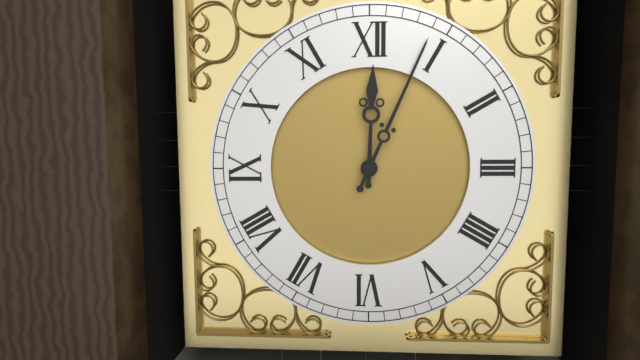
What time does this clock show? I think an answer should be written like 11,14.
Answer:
12,04
